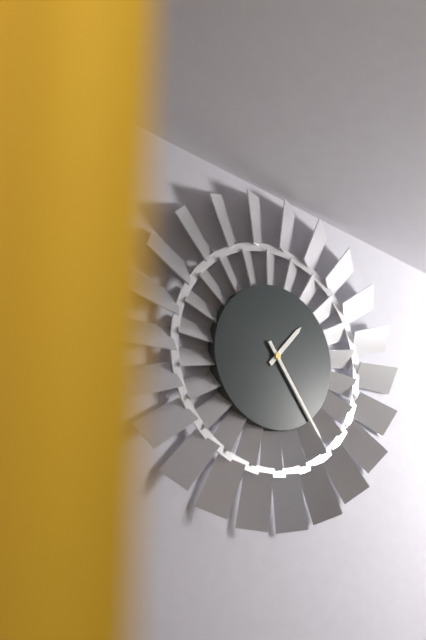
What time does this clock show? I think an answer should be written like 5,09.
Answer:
1,24
